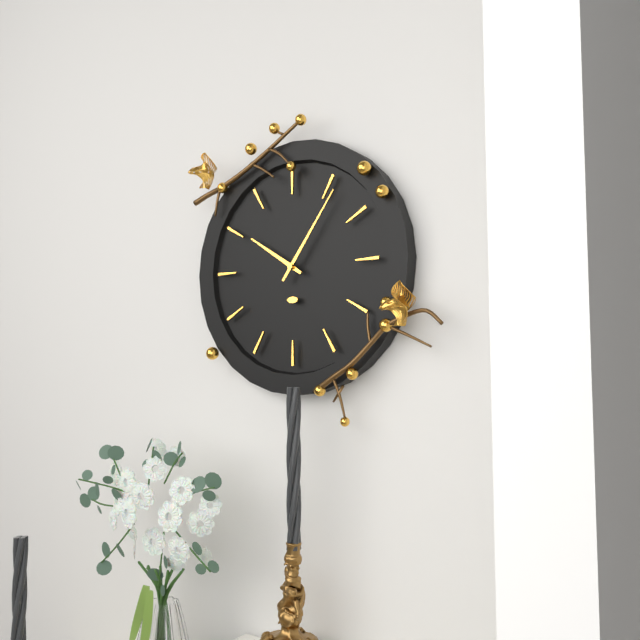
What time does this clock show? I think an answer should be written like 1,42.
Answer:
10,06
